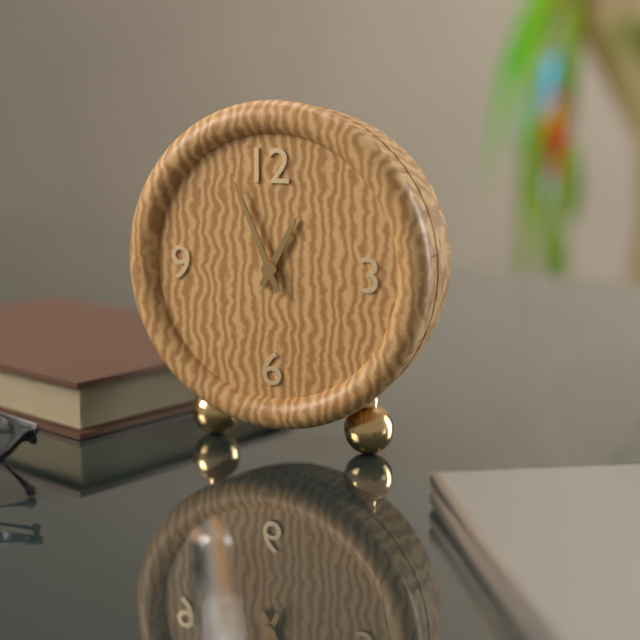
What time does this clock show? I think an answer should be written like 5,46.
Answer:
12,56
